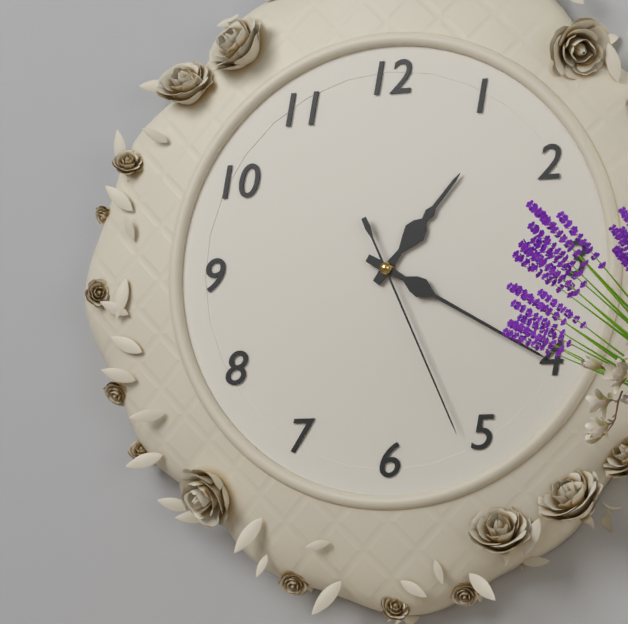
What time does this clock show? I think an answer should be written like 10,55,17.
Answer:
1,20,26
